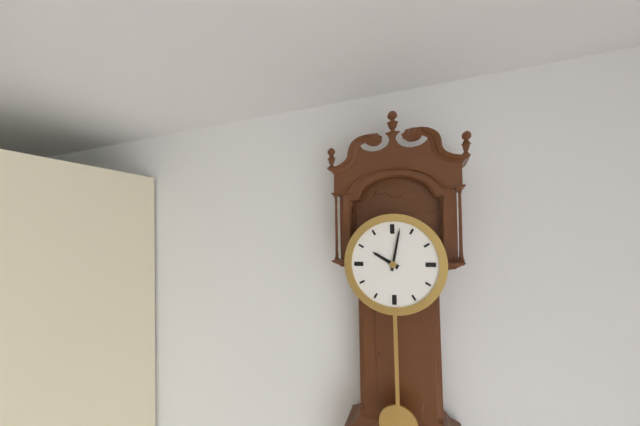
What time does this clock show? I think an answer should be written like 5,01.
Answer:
10,02
